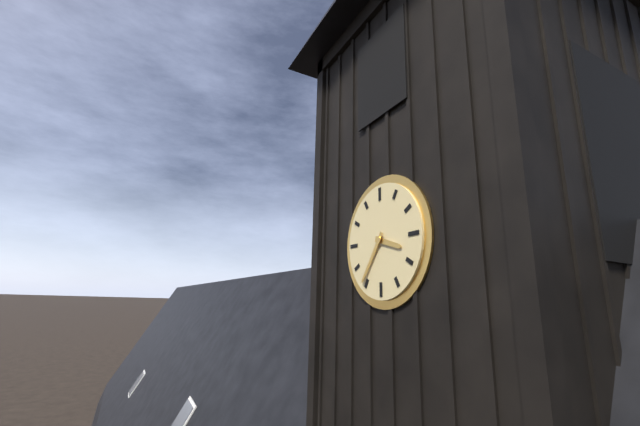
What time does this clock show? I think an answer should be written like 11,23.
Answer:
3,36
